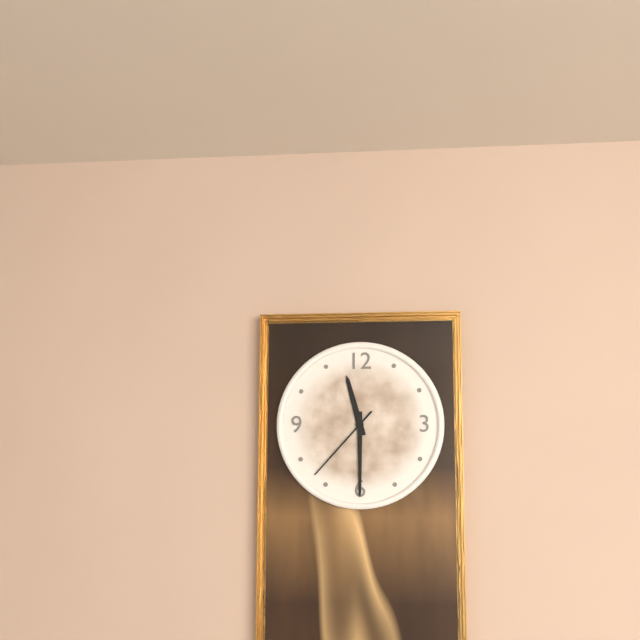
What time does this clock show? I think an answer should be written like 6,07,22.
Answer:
11,30,37
